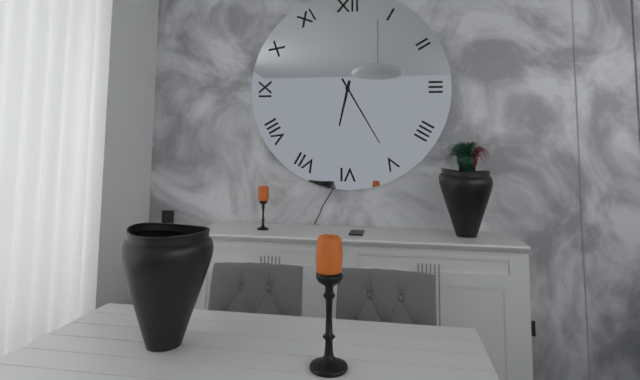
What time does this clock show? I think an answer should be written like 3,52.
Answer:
6,25
